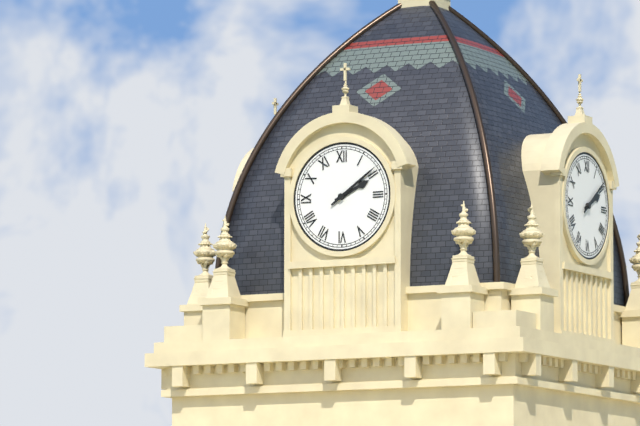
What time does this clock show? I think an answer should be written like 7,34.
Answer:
2,09
